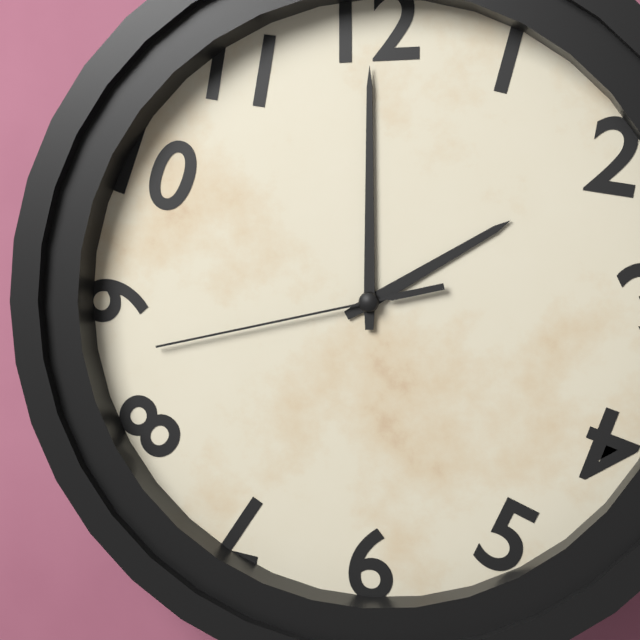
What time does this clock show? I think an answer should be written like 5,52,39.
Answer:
2,00,43
